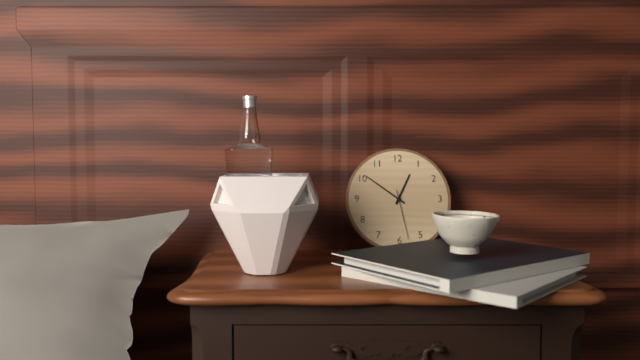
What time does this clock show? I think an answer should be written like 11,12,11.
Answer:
12,51,28
